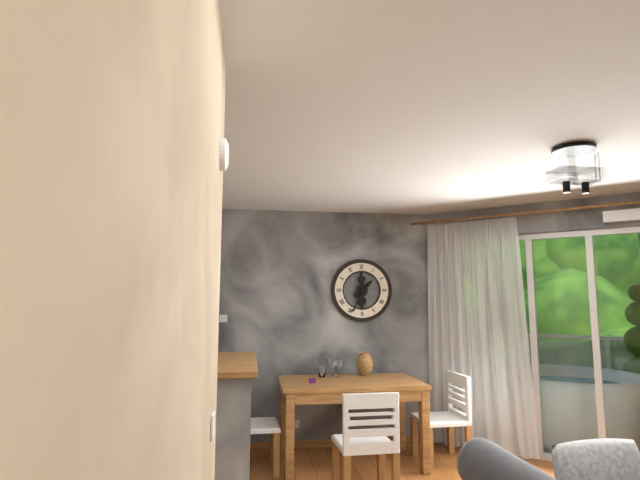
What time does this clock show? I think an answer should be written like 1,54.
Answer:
1,34
